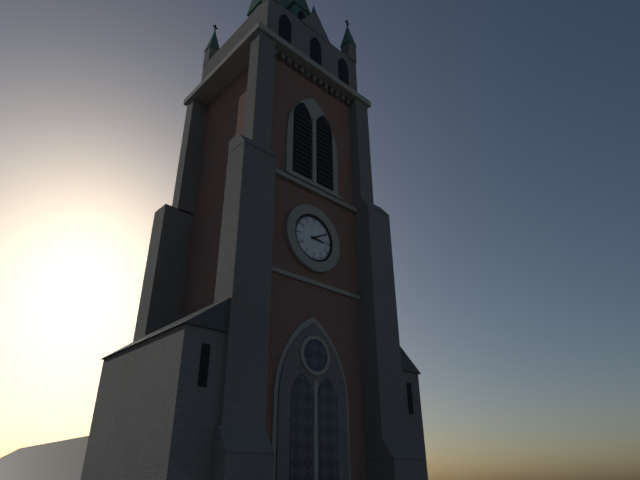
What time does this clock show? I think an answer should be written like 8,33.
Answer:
3,10
